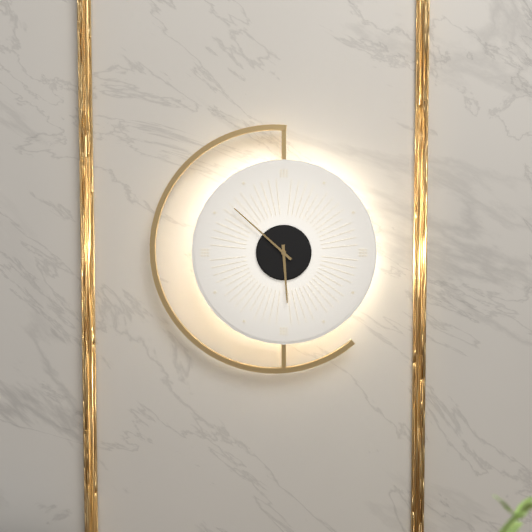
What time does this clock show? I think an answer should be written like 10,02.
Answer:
5,52
